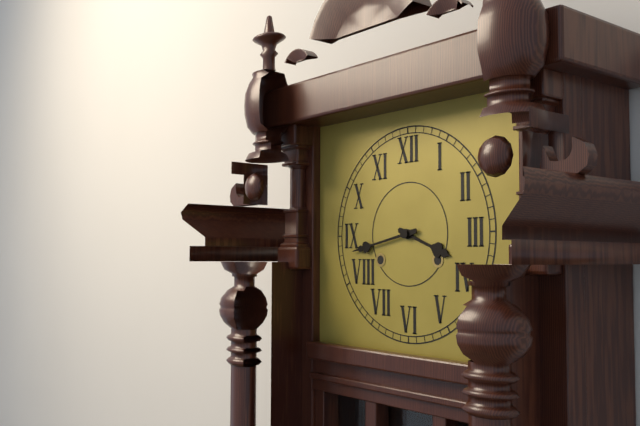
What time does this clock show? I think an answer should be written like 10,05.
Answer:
3,43
